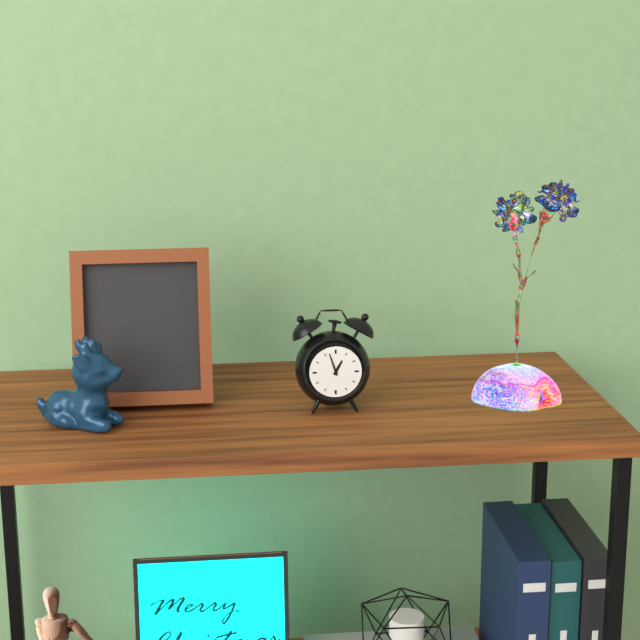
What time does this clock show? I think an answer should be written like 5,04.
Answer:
12,57
